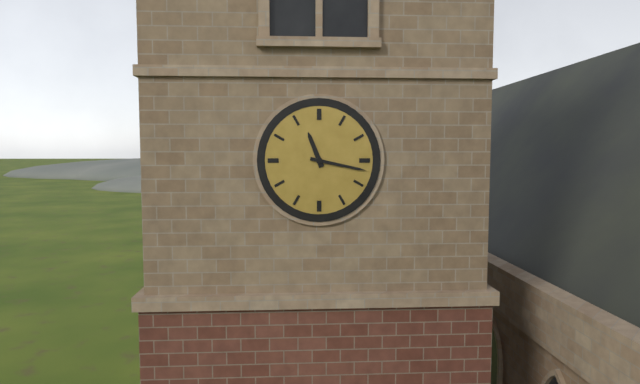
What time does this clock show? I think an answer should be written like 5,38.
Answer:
11,17
